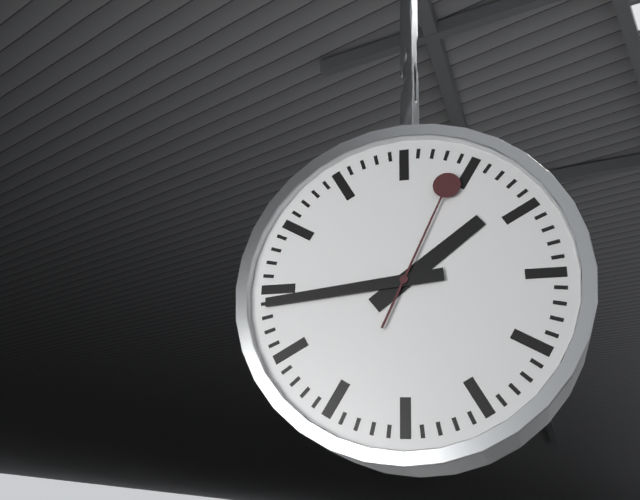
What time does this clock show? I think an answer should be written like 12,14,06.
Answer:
1,44,04
